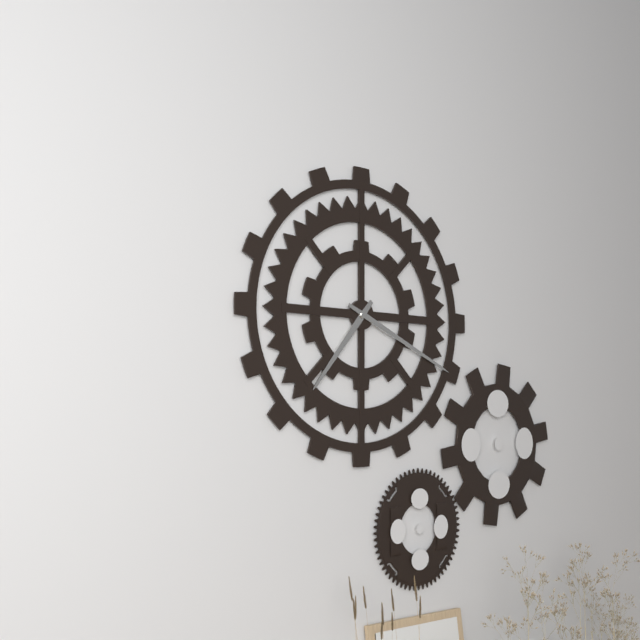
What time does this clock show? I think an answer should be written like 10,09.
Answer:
7,19
